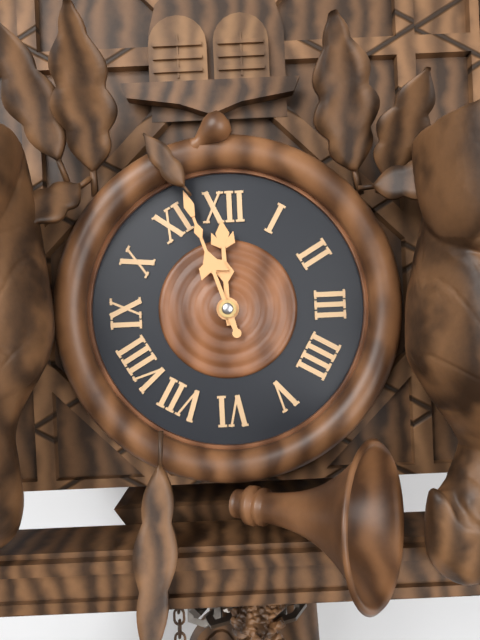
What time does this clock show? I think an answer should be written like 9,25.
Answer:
11,57
